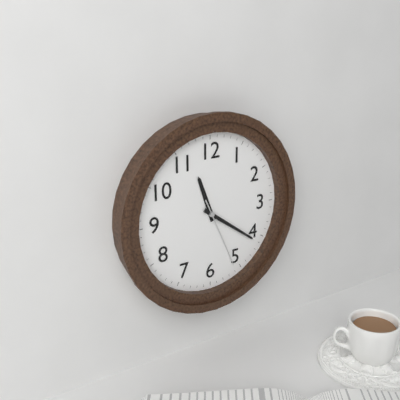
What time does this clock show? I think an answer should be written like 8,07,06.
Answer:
11,21,26
